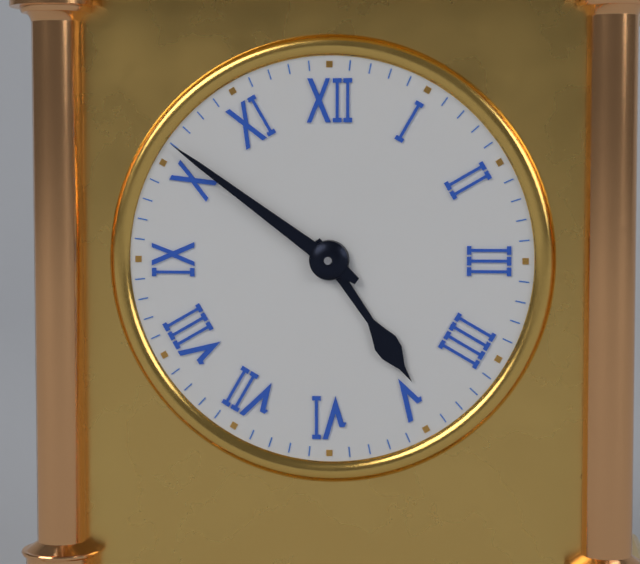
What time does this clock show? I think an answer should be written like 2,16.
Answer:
4,51
